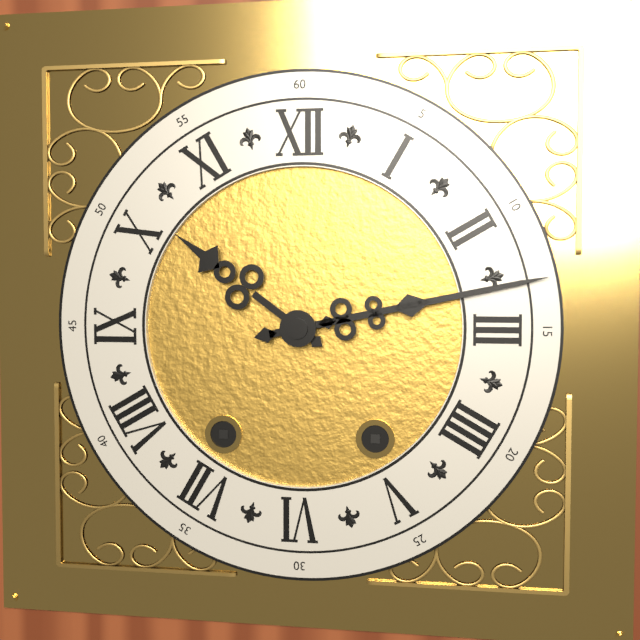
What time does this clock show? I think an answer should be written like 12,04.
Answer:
10,13
